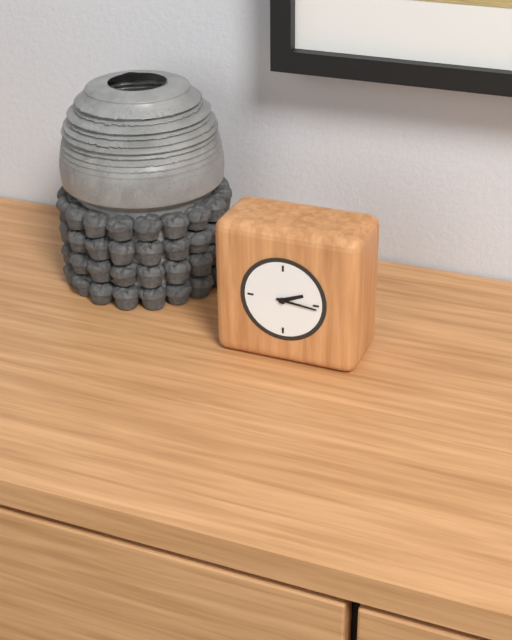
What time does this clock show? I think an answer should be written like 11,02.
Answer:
2,16
